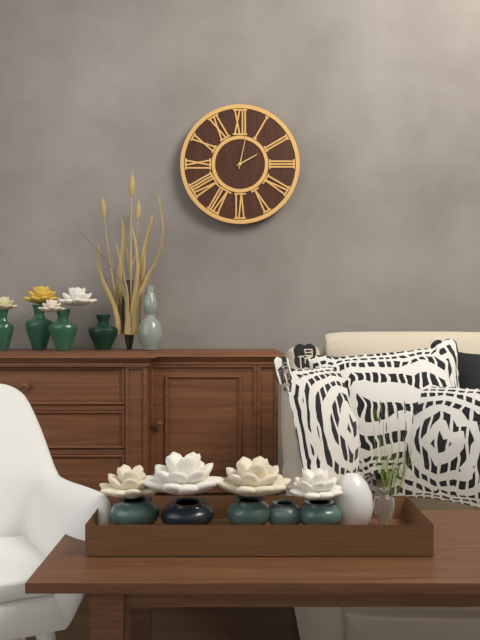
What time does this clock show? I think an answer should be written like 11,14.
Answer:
2,02
